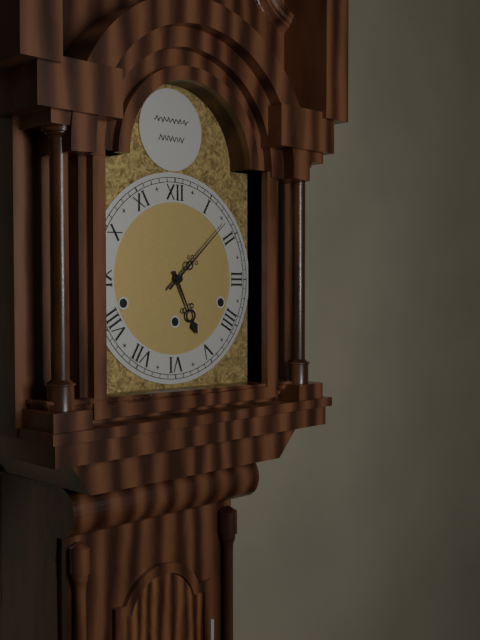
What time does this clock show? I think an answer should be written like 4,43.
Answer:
5,08
